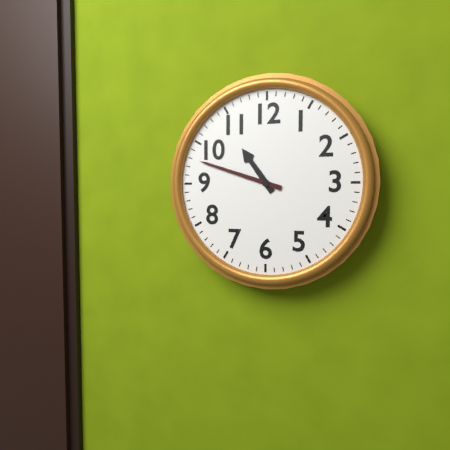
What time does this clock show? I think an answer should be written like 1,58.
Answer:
10,48
